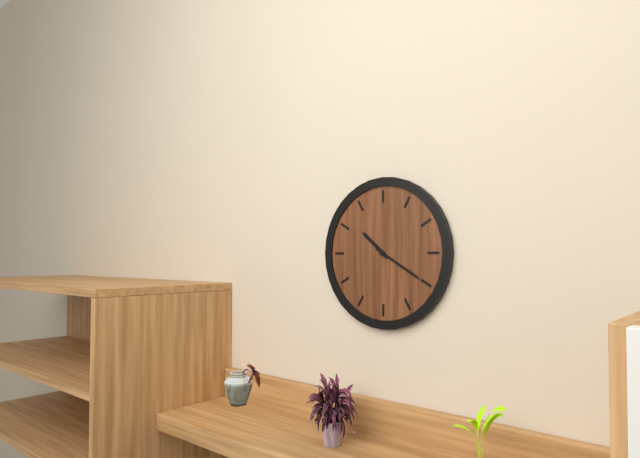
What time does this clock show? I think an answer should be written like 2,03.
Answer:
10,20
